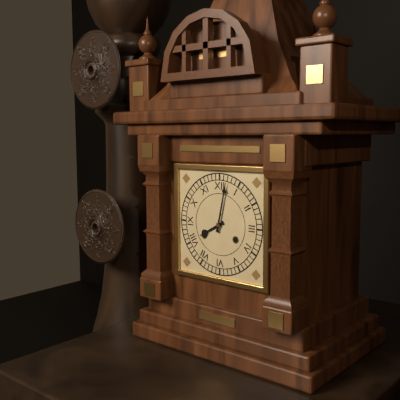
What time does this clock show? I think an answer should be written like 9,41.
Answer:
8,02
